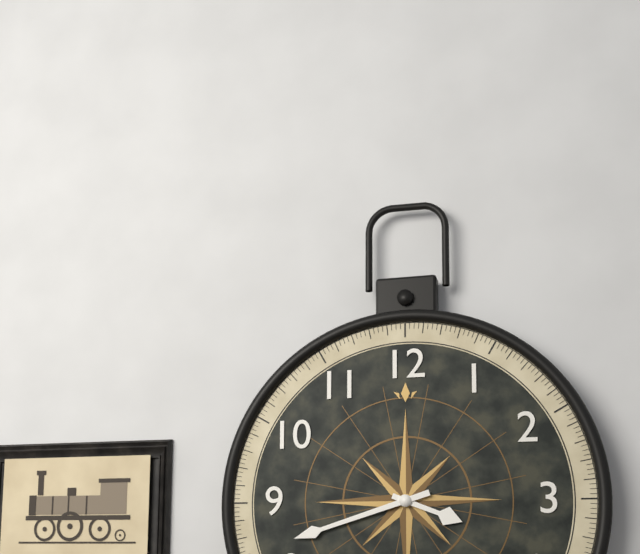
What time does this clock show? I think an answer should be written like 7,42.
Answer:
3,42
